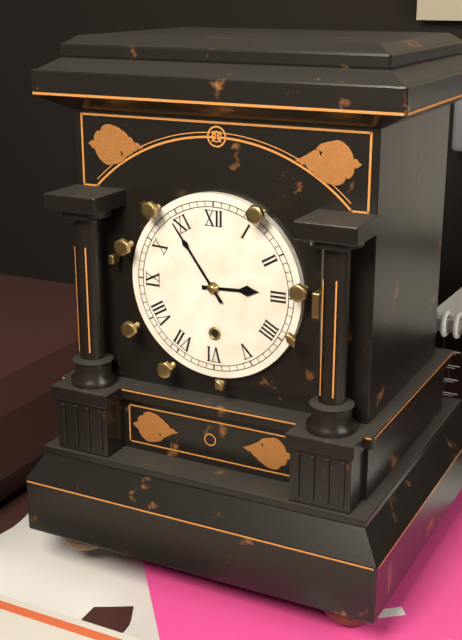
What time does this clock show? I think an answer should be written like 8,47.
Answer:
2,54
